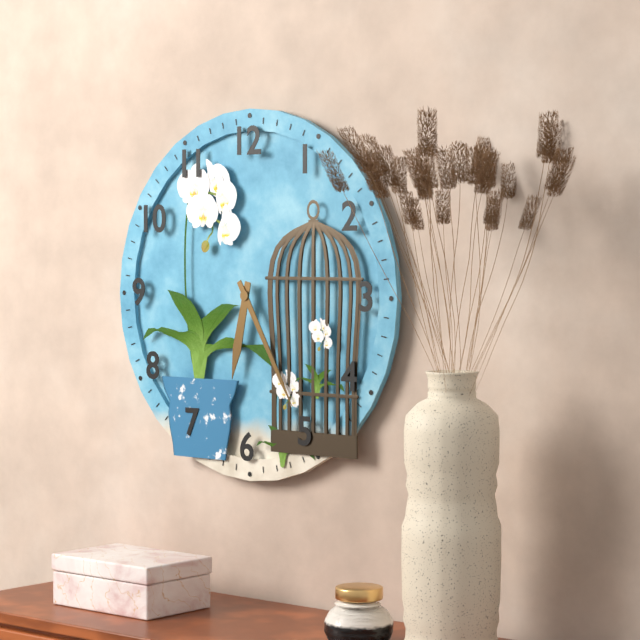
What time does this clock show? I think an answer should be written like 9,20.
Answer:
6,25
